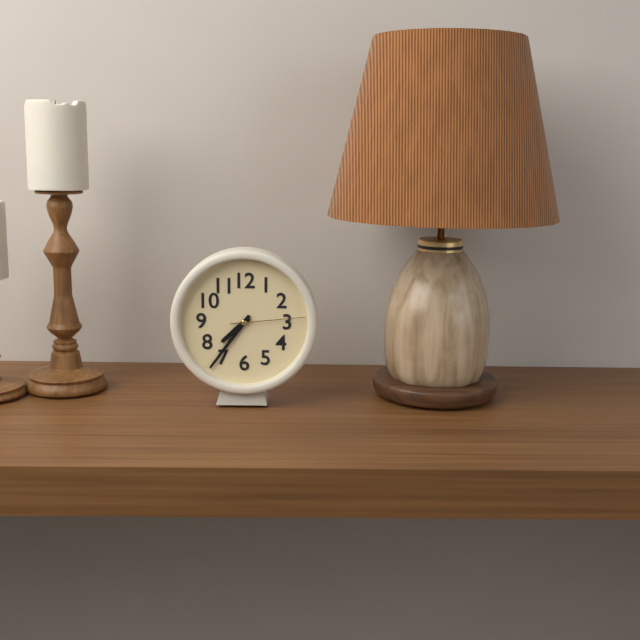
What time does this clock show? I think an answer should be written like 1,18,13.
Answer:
7,36,14
